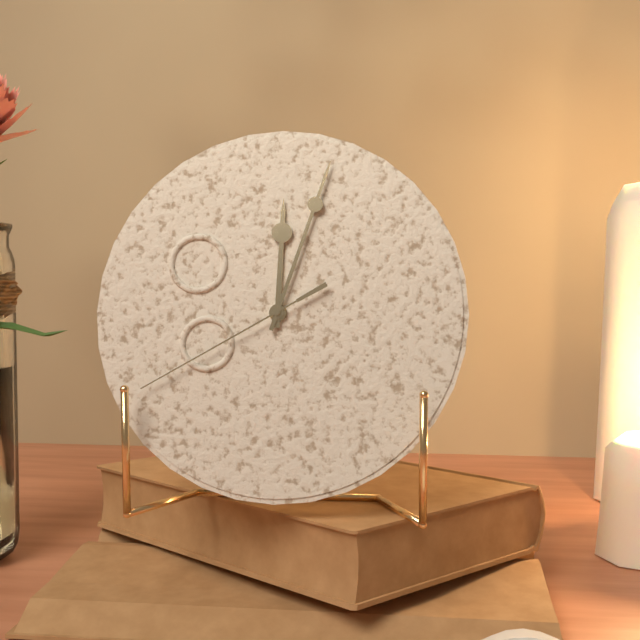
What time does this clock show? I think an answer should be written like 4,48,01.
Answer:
12,03,40
